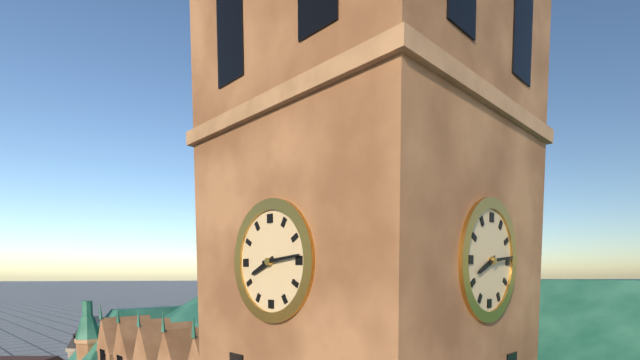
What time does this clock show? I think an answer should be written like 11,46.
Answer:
8,14
